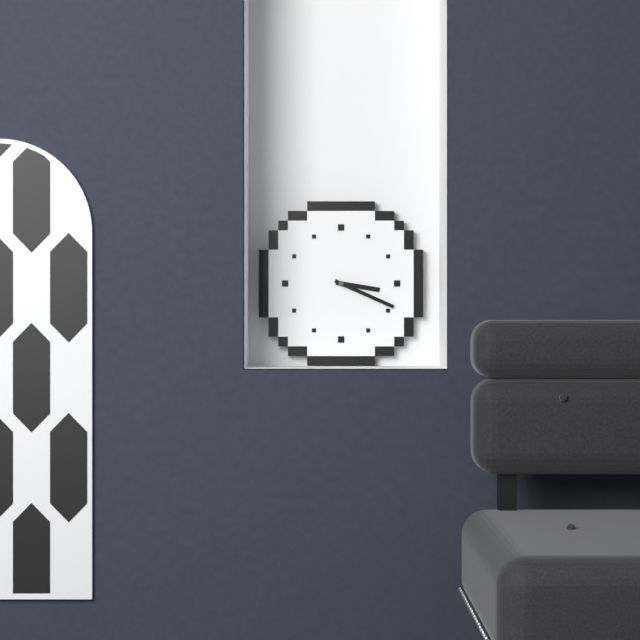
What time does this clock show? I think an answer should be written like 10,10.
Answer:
3,19
